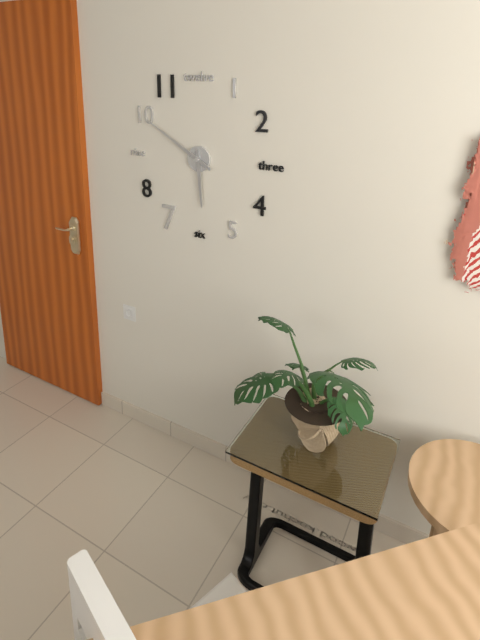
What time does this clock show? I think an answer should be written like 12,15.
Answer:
5,50
